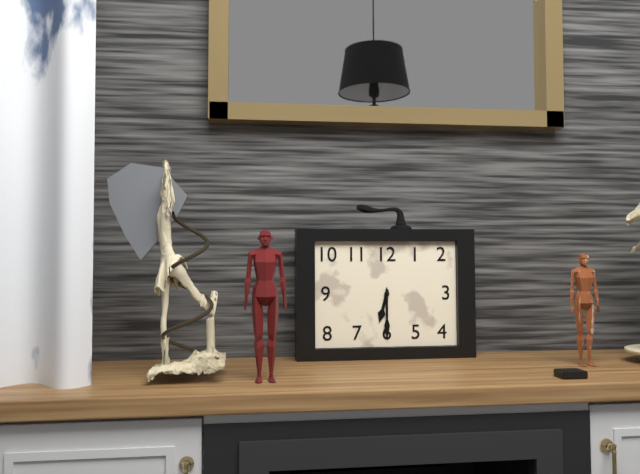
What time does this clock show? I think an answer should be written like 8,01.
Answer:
6,30
